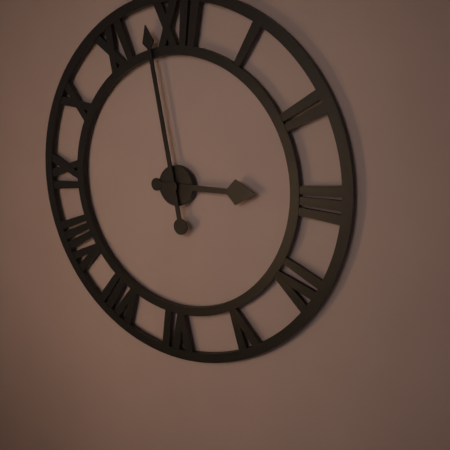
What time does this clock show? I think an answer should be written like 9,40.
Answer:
2,58
